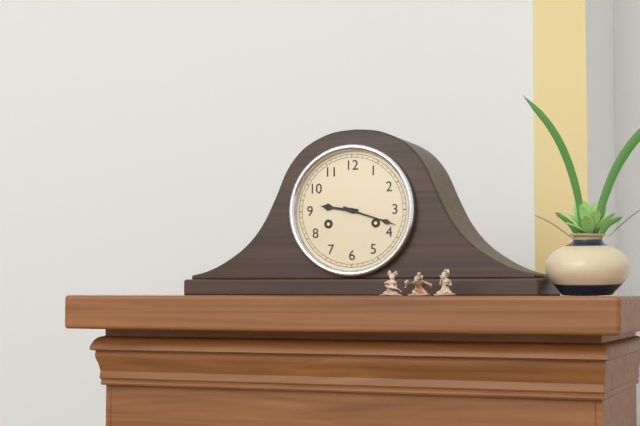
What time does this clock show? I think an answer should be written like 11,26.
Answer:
9,18
